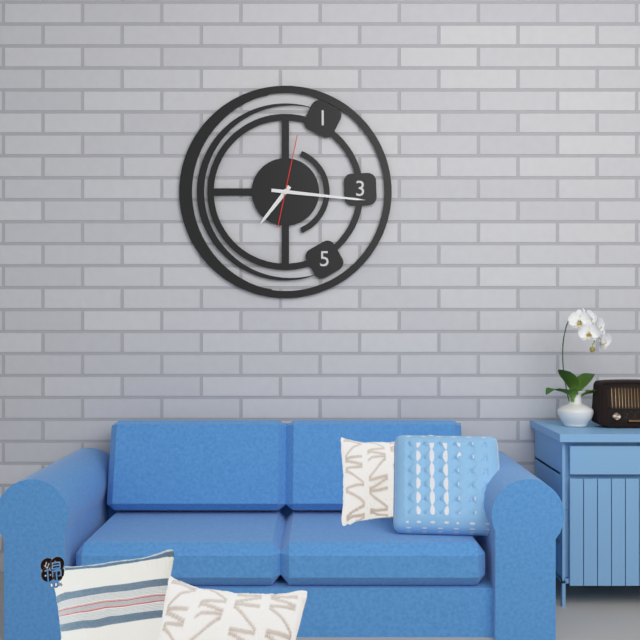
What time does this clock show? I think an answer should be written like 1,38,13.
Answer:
7,16,02
